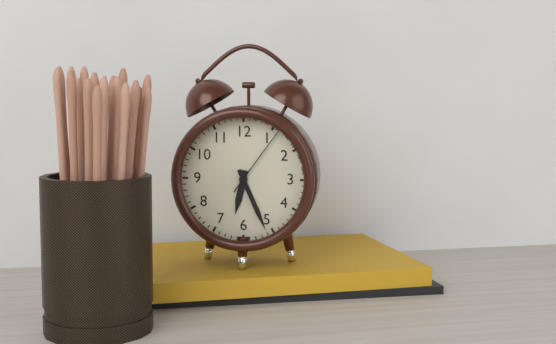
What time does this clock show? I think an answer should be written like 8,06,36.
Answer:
6,26,06
